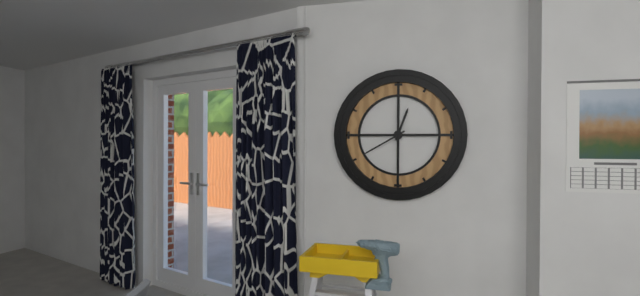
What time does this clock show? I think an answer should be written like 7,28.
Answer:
12,40
